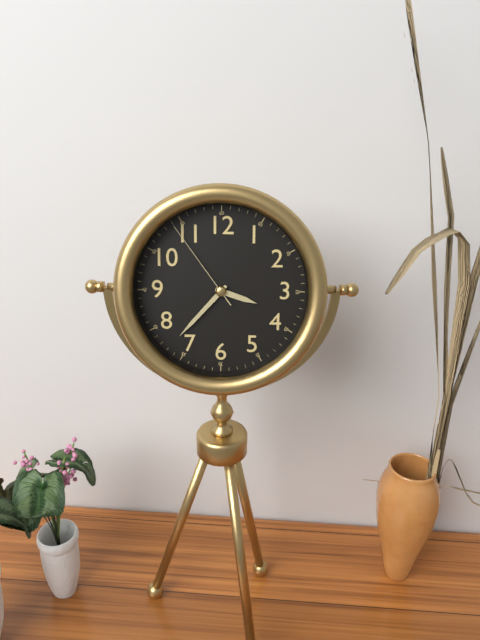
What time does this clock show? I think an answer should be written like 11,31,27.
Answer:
3,37,54
